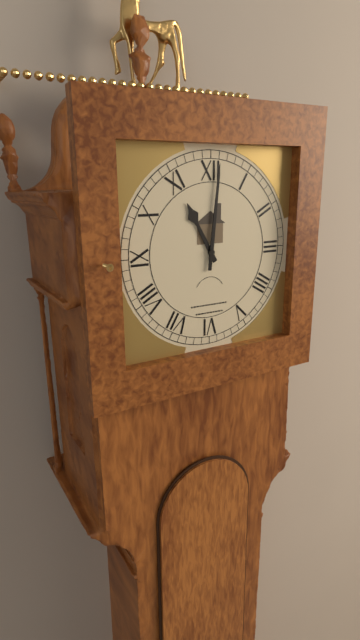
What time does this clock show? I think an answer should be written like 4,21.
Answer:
11,01
